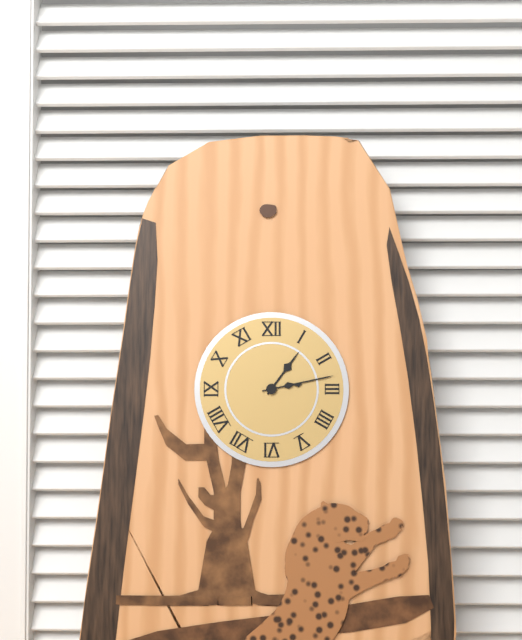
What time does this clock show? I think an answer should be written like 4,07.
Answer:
1,13
